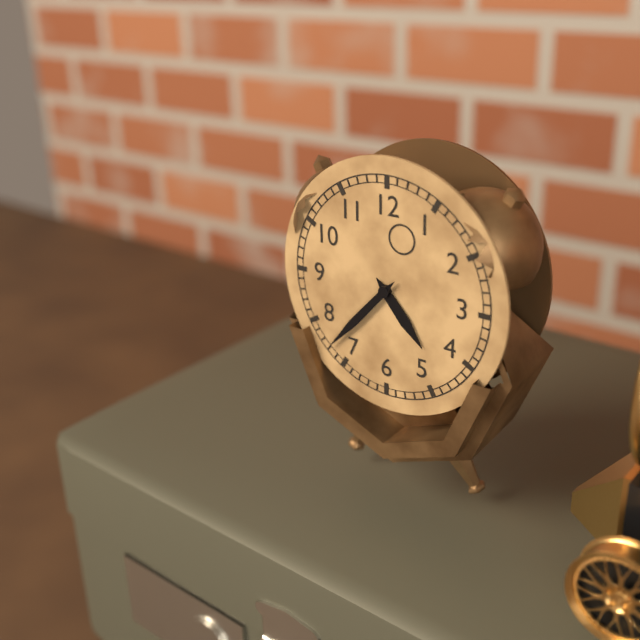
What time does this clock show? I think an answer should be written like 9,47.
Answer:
4,37
